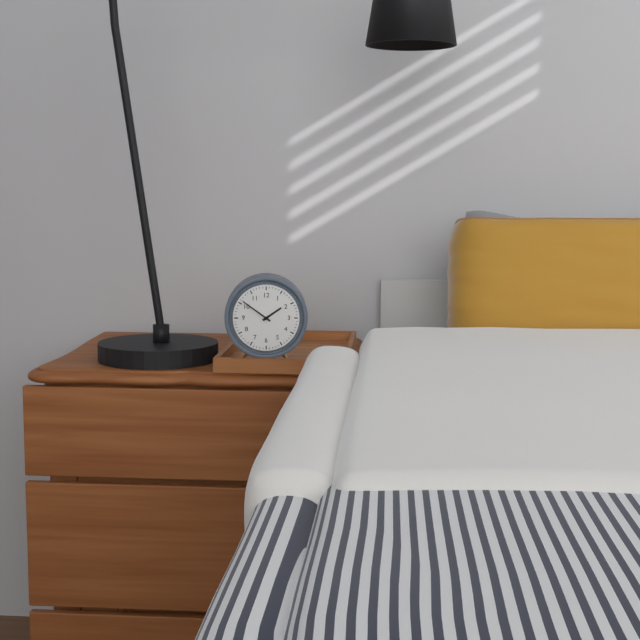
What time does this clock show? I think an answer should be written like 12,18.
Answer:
1,51
